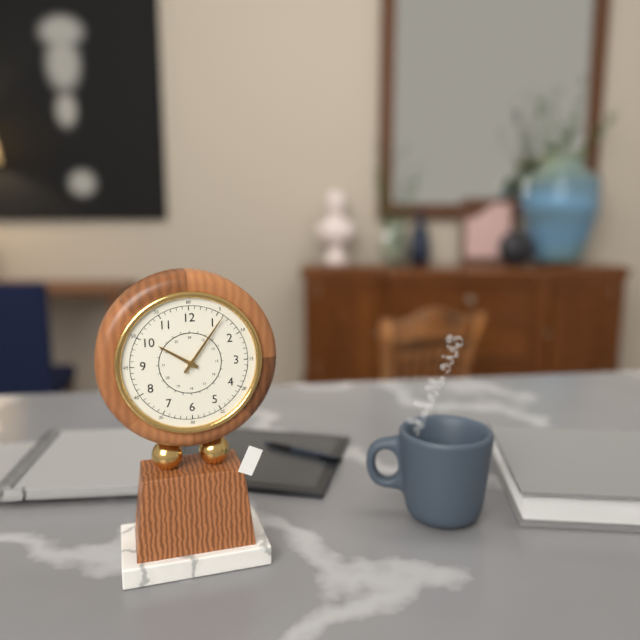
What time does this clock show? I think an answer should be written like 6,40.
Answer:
10,06
